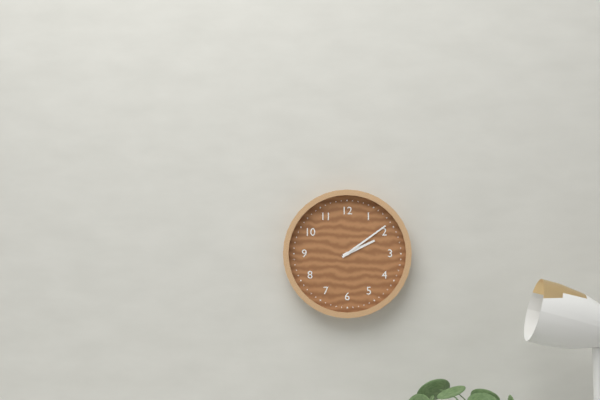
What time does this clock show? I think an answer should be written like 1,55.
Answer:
2,09
